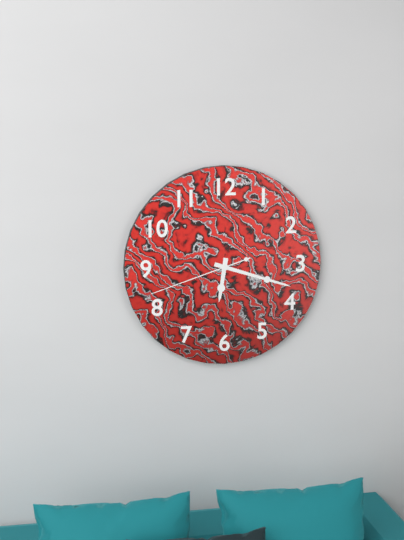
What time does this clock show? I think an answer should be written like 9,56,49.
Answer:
6,18,42
